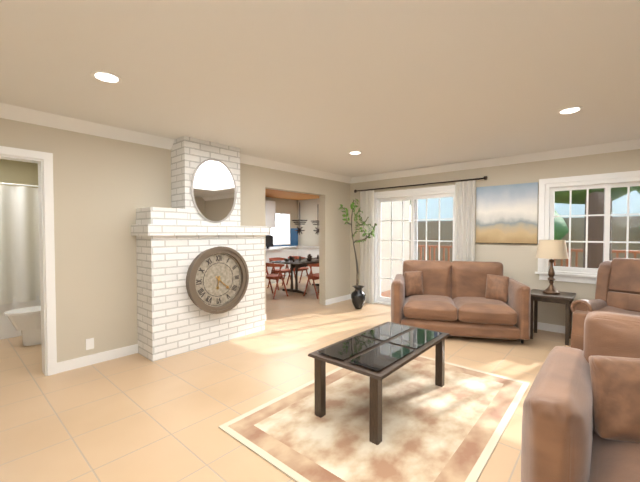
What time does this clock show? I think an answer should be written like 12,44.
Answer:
6,22
